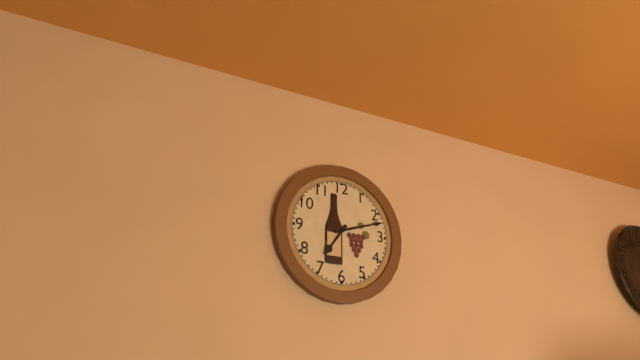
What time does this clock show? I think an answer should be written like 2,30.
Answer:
7,12
